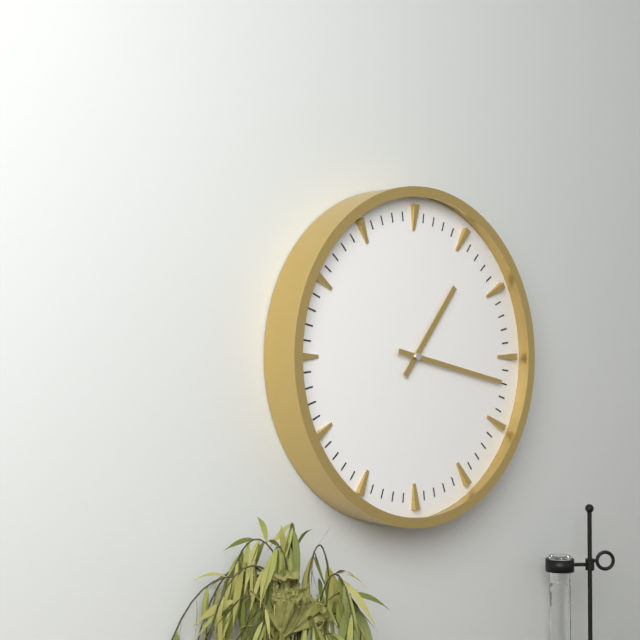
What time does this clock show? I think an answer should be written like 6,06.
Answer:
1,17
